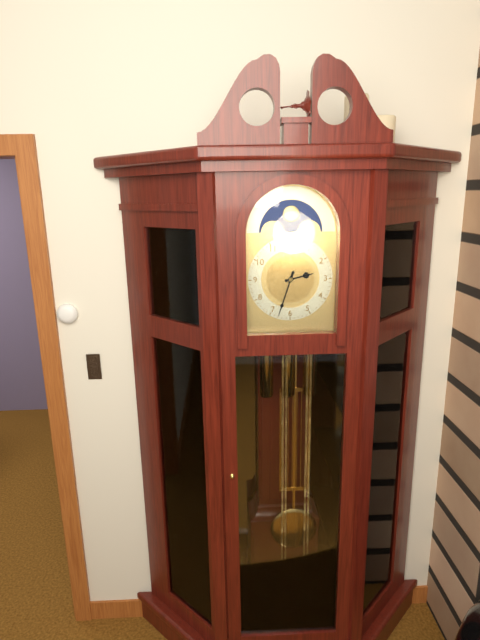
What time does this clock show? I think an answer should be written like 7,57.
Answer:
2,33
